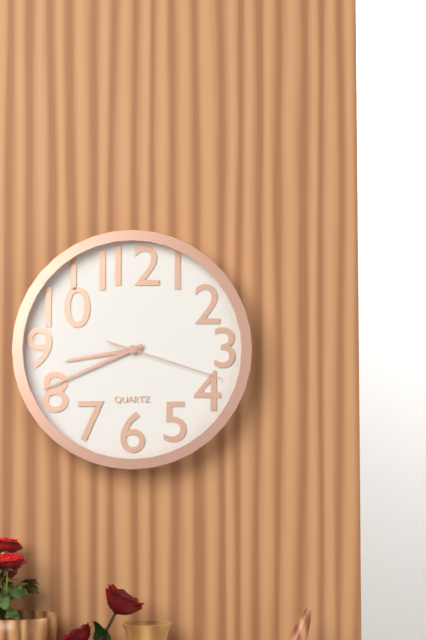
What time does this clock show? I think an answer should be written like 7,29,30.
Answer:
8,41,18
